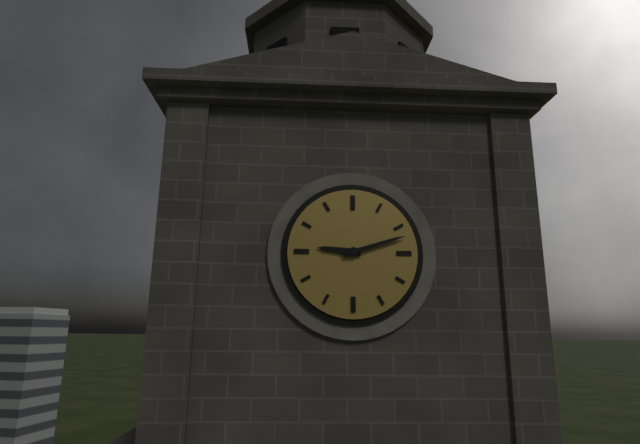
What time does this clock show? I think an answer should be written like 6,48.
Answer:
9,12
